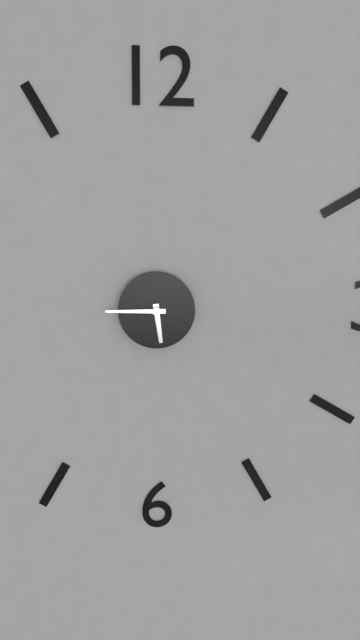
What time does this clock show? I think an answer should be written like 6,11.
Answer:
5,45
